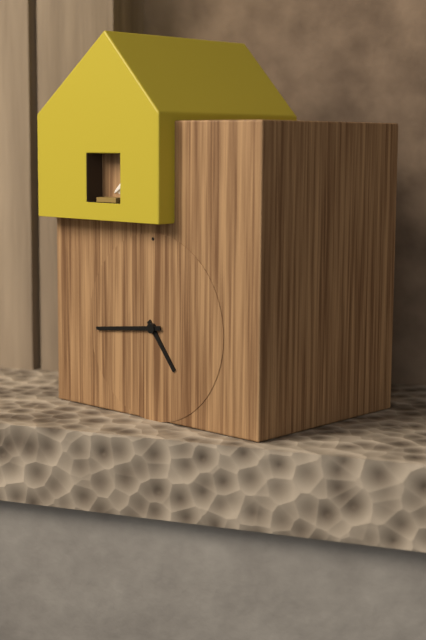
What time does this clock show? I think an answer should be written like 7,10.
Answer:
4,44
